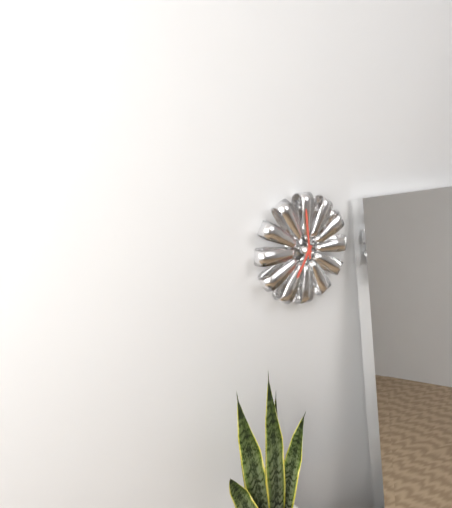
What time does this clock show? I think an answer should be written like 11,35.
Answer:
6,59
